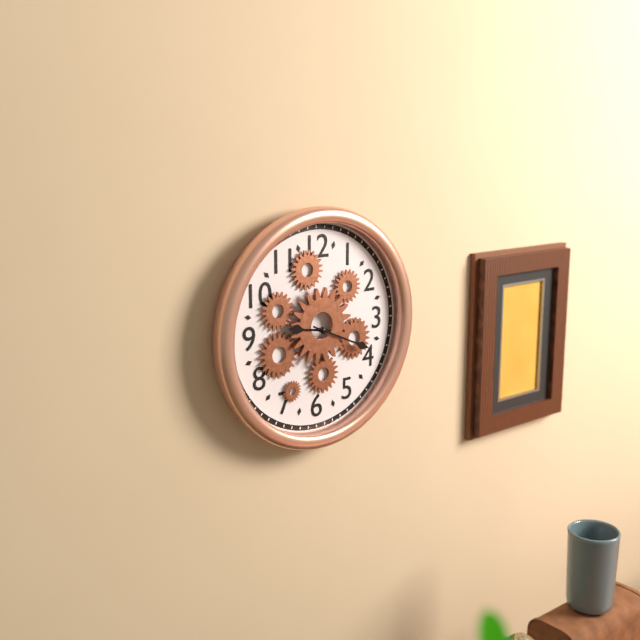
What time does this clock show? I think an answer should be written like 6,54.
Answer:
9,19
